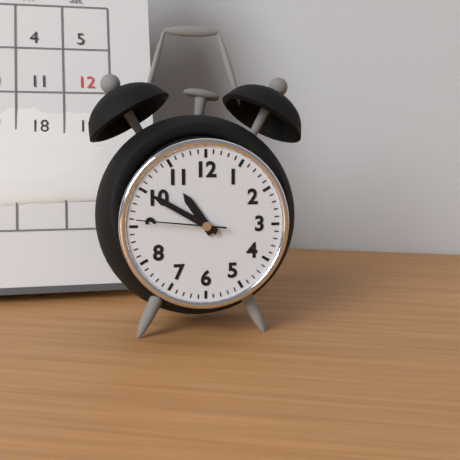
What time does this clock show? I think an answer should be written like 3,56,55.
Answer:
10,50,46
